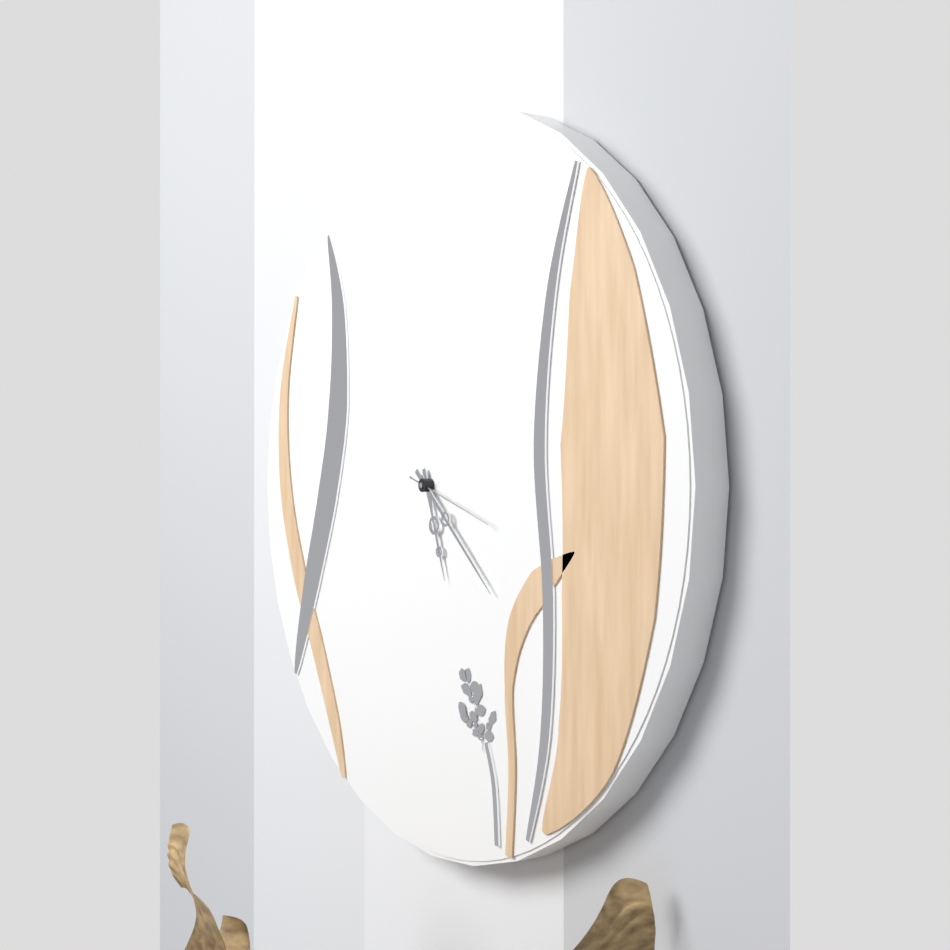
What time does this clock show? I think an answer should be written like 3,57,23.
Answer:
5,22,18
